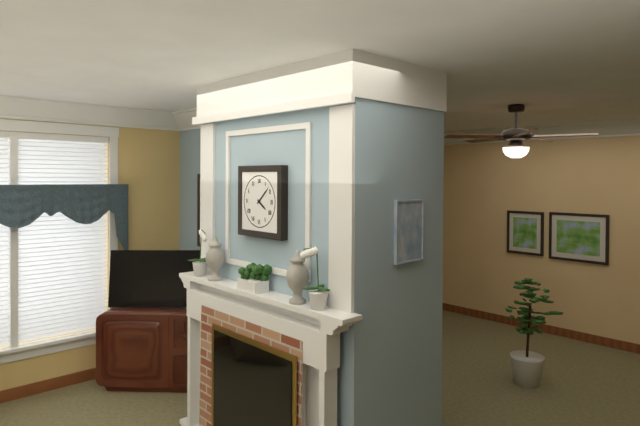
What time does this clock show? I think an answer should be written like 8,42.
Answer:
4,08
